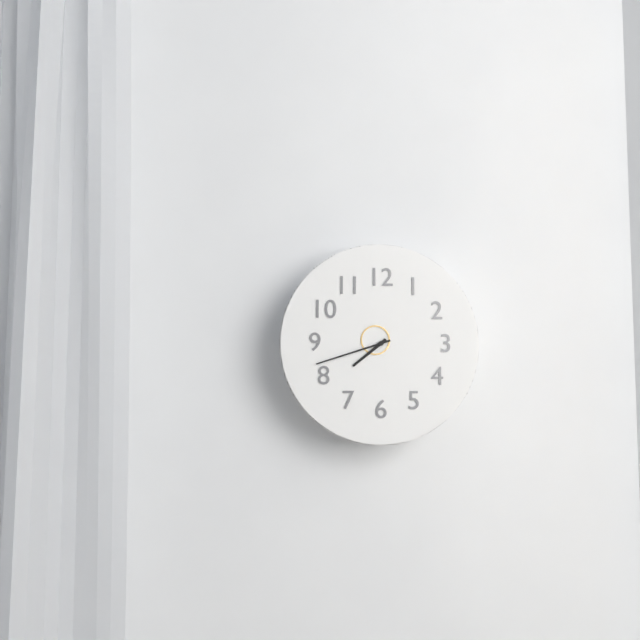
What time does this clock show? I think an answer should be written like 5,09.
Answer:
7,42
